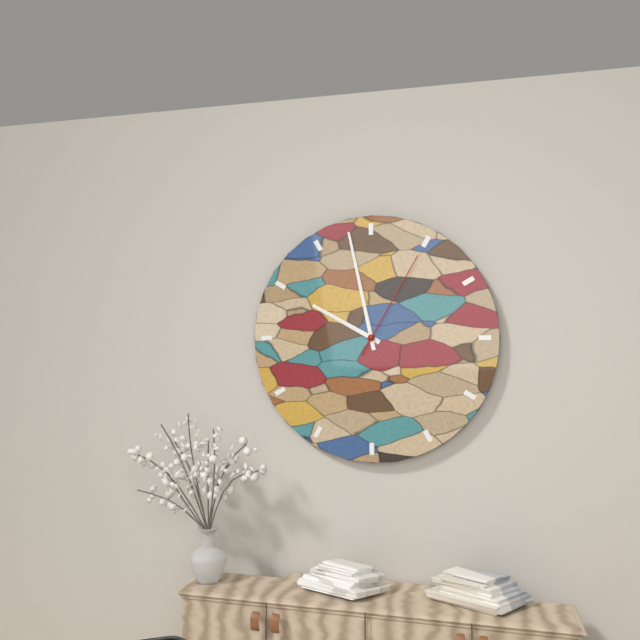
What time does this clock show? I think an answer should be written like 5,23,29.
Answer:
9,58,05
